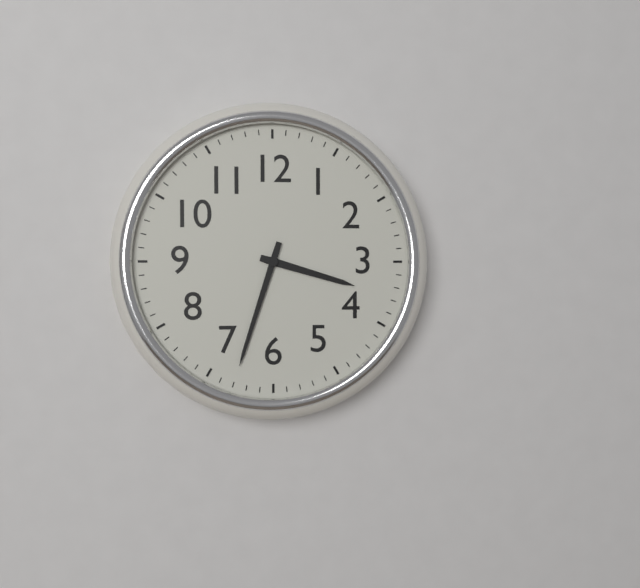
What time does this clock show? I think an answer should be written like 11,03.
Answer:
3,33
